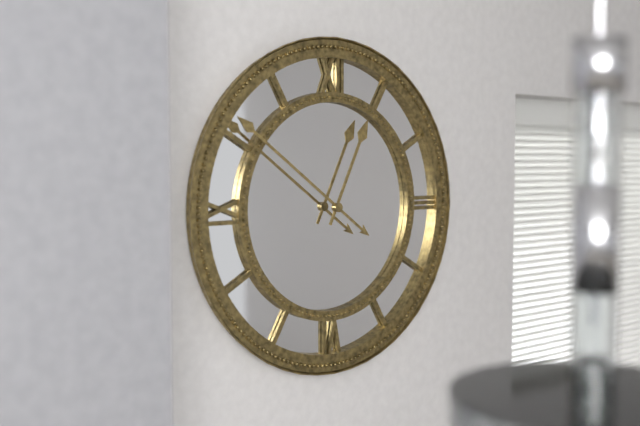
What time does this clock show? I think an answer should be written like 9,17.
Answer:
12,51
